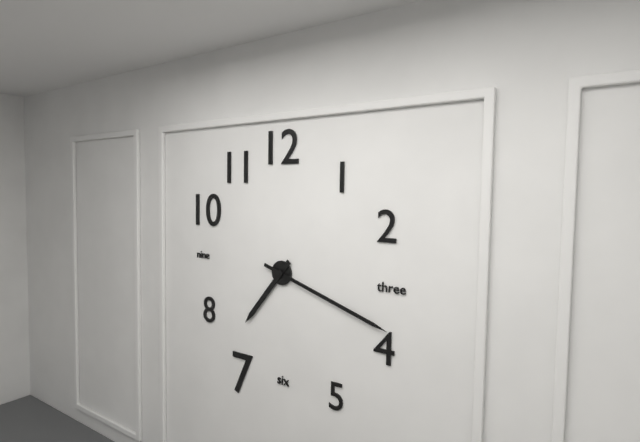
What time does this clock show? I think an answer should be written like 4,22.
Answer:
7,18
